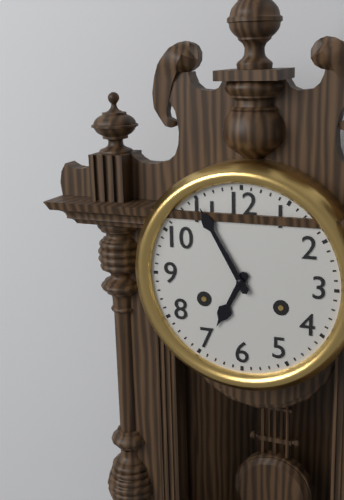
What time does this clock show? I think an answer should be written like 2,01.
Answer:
6,55
